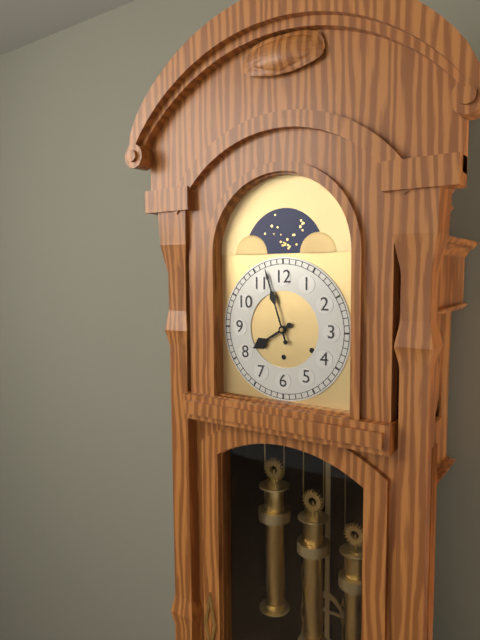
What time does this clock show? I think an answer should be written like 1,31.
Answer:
7,57
